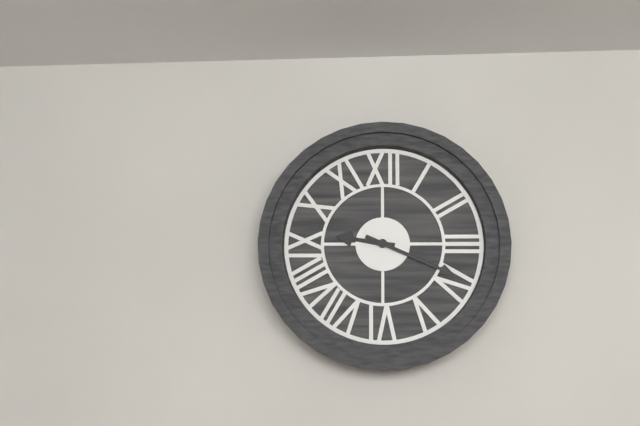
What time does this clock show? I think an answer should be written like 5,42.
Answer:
9,19
